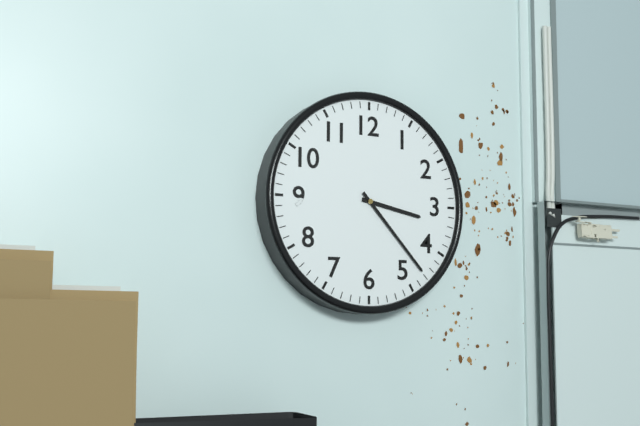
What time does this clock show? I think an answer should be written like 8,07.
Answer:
3,23
